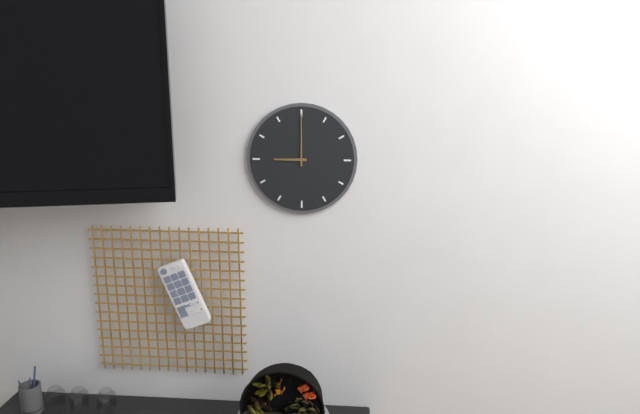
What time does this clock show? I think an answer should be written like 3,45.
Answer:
9,00
